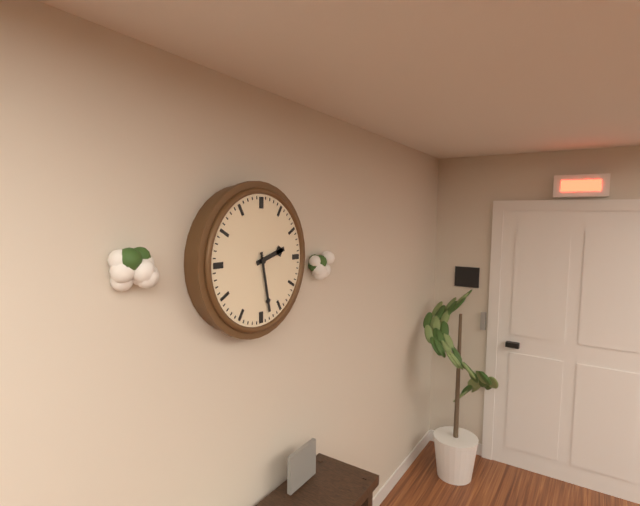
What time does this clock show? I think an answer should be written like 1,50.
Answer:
2,28
